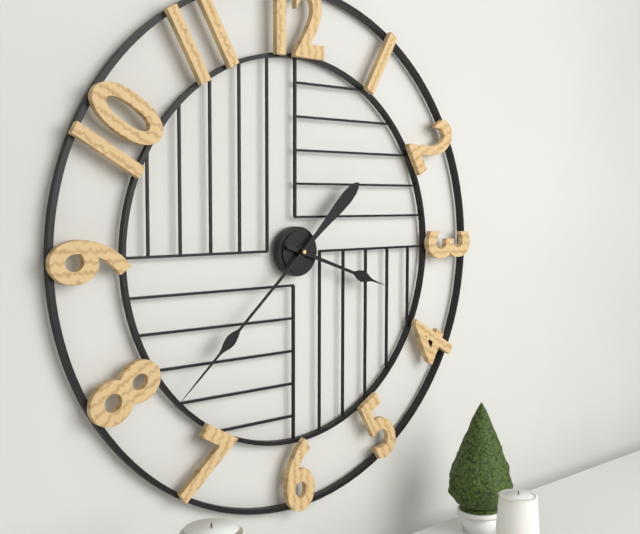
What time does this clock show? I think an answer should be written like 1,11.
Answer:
3,38
